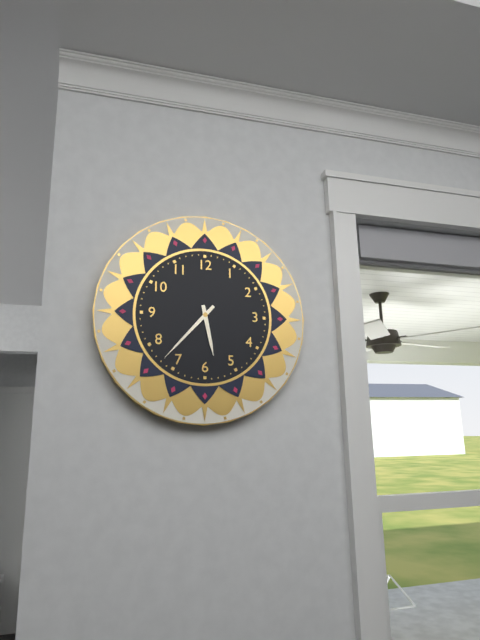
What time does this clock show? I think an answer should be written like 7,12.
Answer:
5,37
